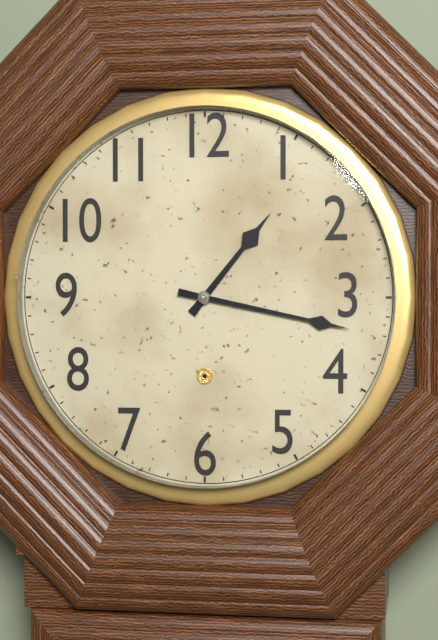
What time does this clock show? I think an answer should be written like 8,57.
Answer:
1,17
